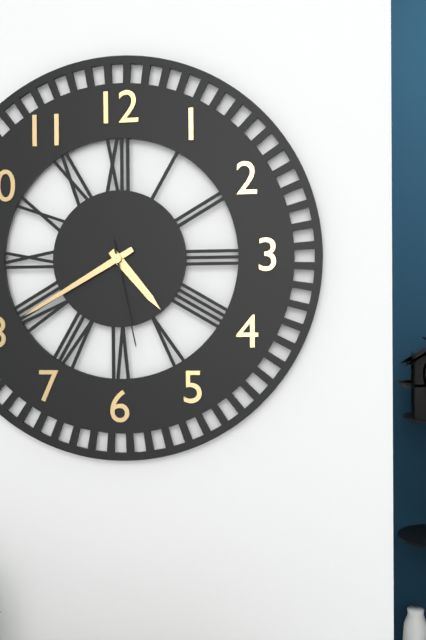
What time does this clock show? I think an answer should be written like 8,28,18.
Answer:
4,40,28
